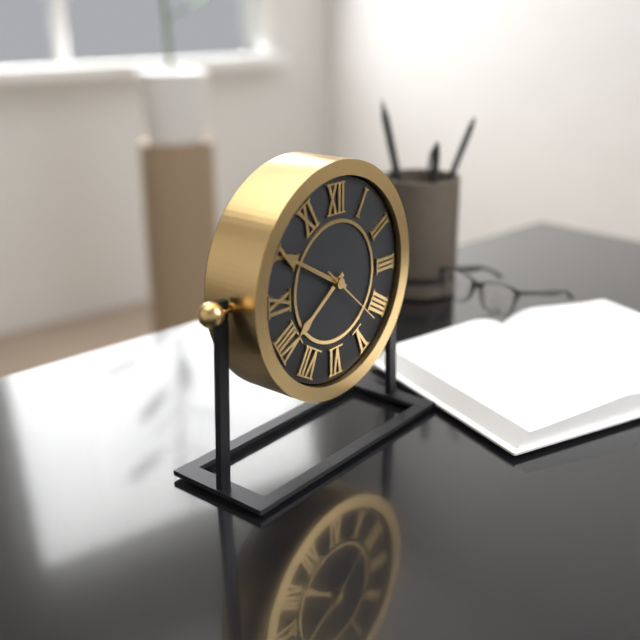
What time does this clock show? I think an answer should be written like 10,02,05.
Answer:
7,50,22
